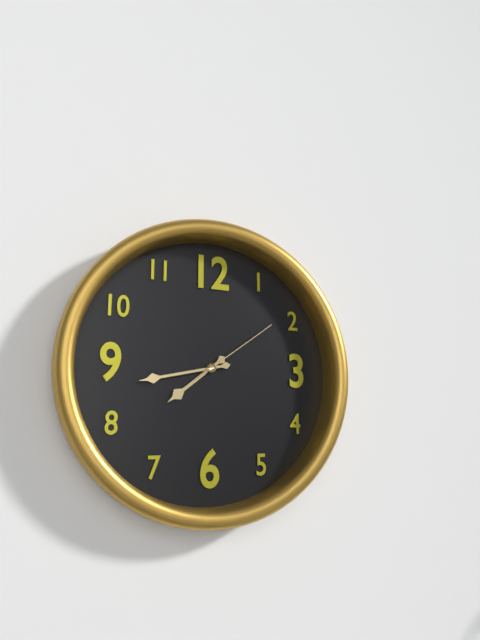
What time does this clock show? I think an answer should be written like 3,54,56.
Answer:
7,43,09
